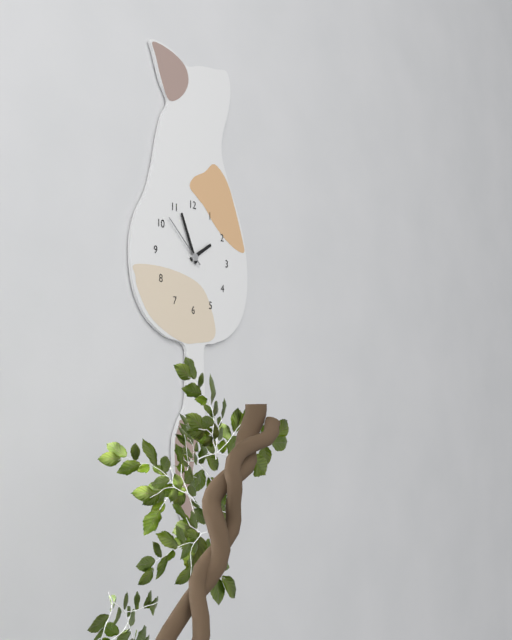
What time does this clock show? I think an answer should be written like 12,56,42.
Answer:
1,56,52
